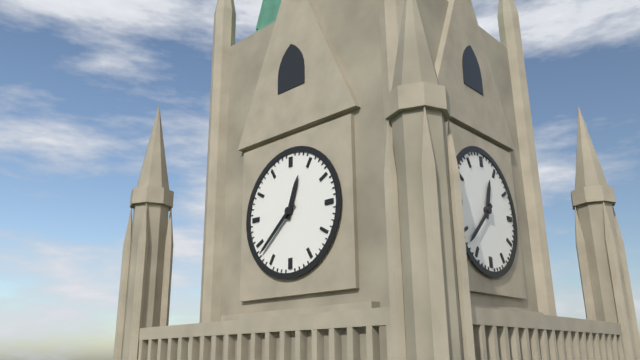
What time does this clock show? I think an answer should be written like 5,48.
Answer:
12,38
